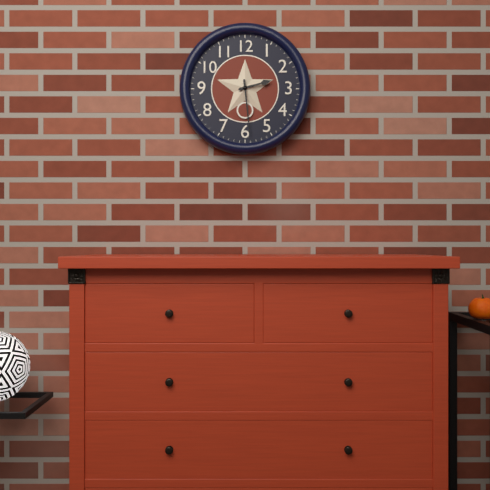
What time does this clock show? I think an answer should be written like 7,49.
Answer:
2,29
